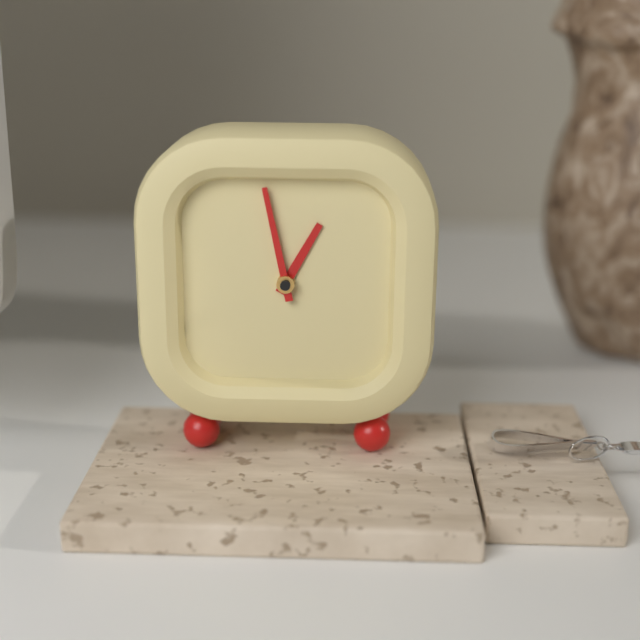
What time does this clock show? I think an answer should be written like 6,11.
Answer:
12,58
